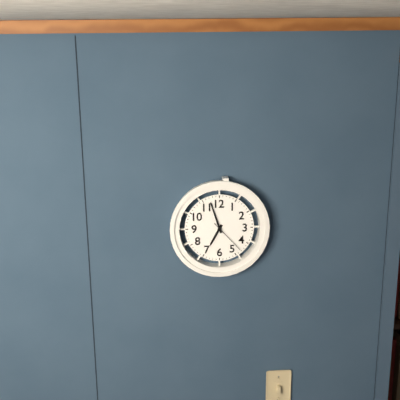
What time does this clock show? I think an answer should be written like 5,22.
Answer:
6,57
